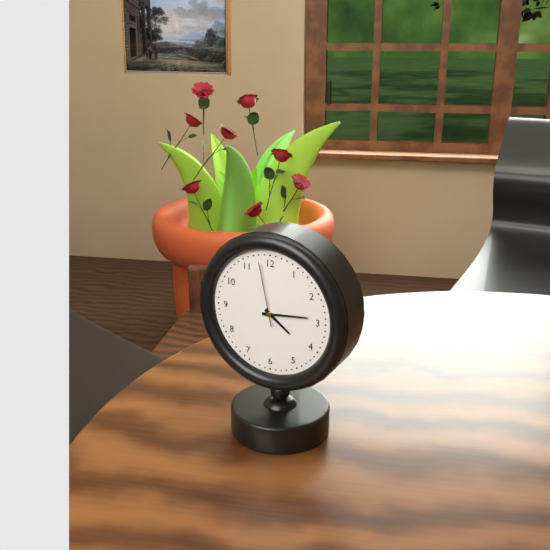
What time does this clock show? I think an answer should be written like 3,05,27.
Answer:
4,14,58
